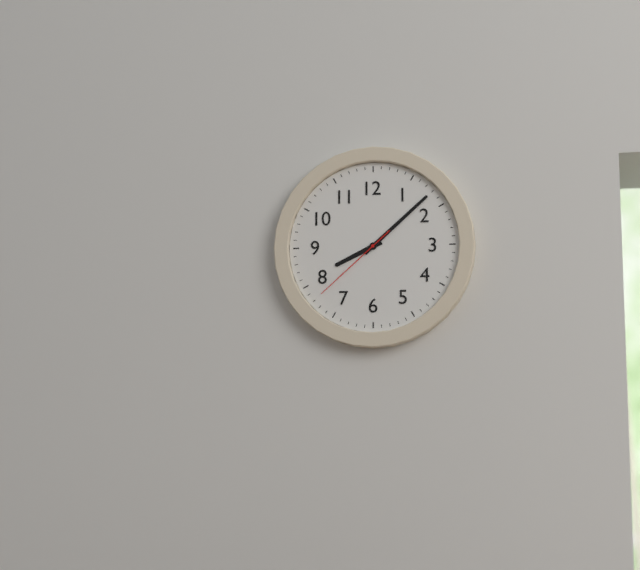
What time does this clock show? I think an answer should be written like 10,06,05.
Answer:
8,08,38
